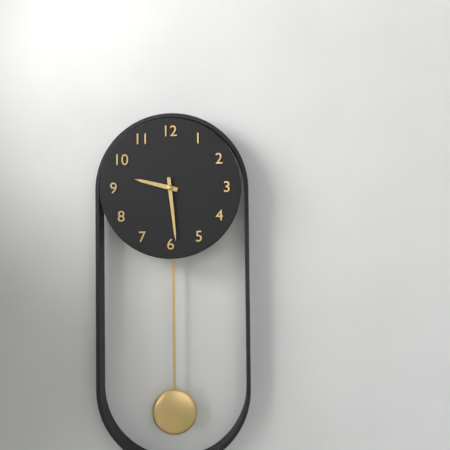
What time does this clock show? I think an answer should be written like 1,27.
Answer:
9,29
